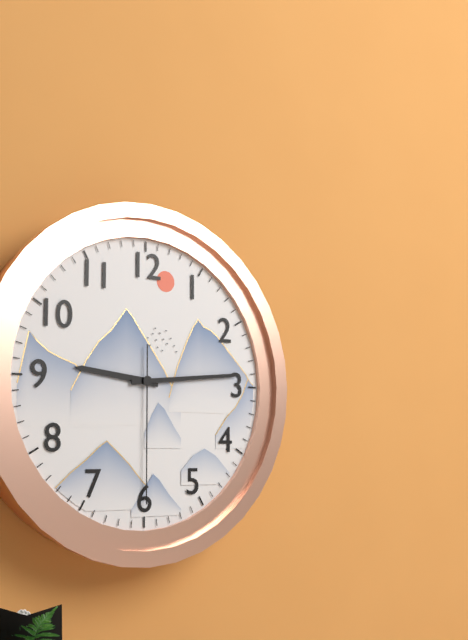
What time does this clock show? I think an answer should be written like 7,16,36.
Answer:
9,14,30
